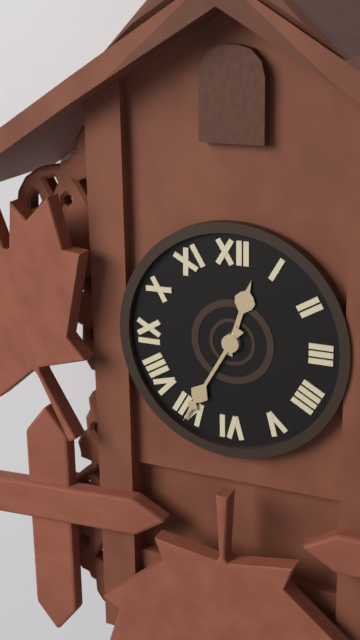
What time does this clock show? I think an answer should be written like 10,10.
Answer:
12,35
